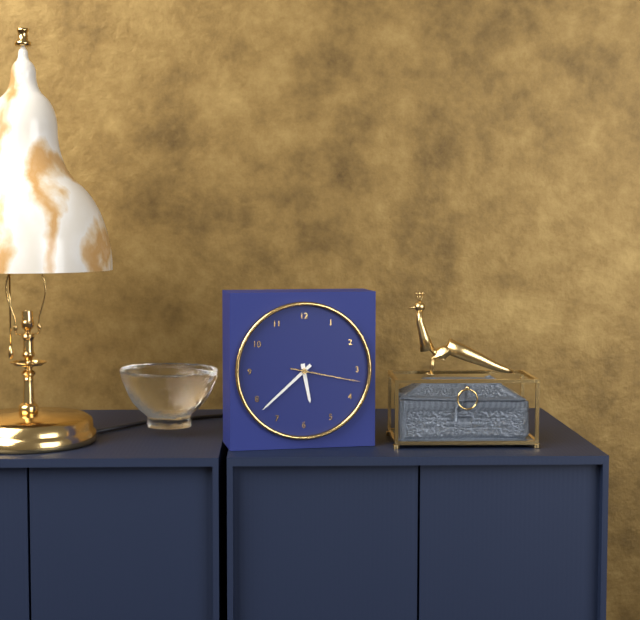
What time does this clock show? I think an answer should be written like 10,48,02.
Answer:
5,38,17
